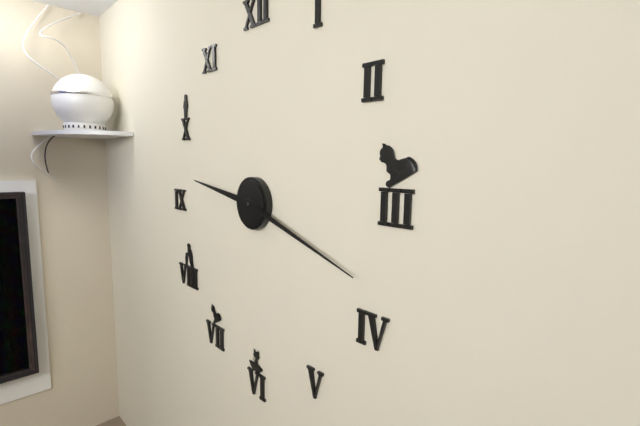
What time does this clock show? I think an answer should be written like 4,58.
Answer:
9,18
